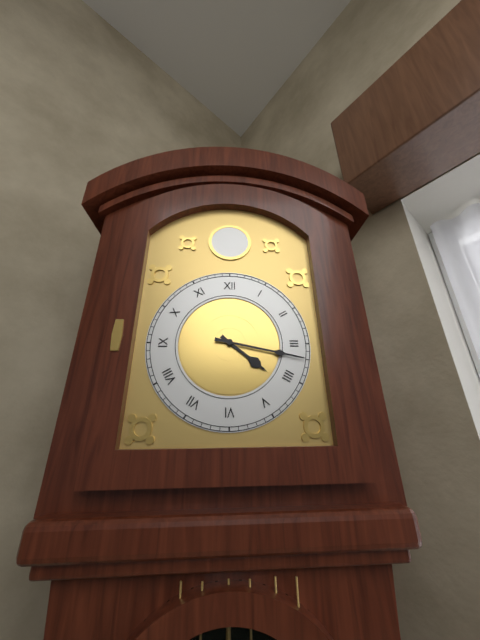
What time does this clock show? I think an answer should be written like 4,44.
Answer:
4,17
